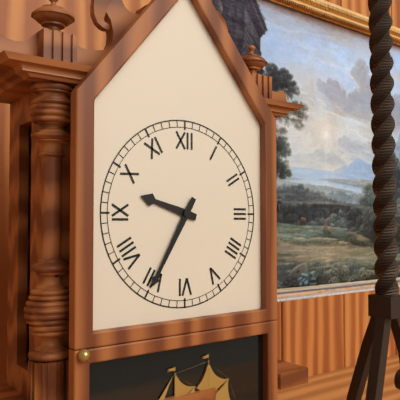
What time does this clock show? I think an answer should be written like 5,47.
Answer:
9,35
